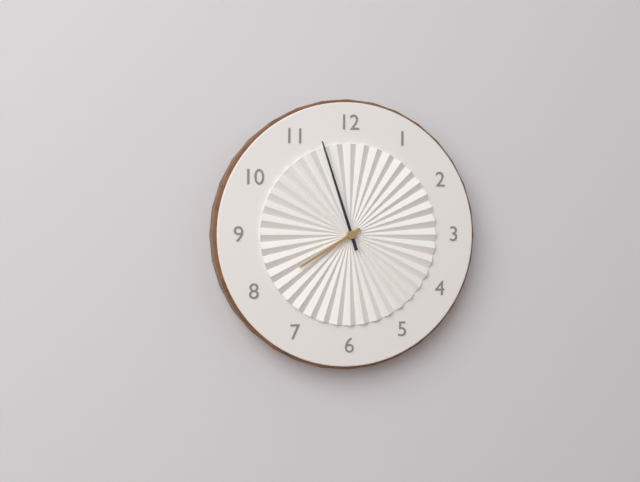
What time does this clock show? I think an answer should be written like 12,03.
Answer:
7,57
